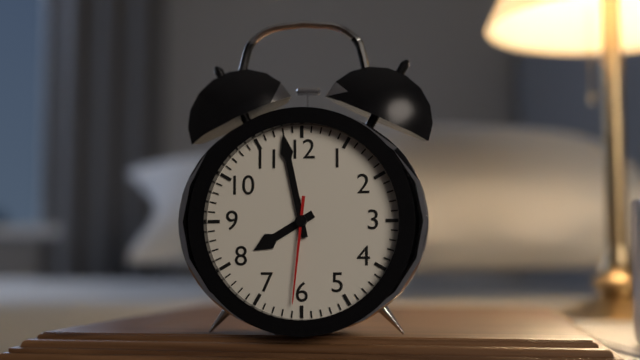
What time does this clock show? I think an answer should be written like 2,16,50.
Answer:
7,58,31
